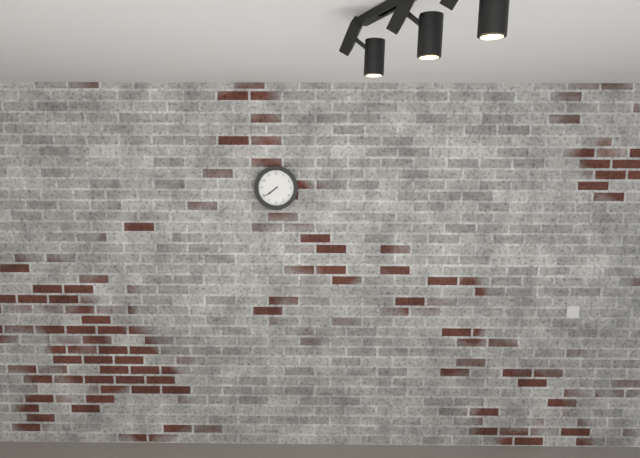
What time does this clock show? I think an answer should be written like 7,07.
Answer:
7,39
